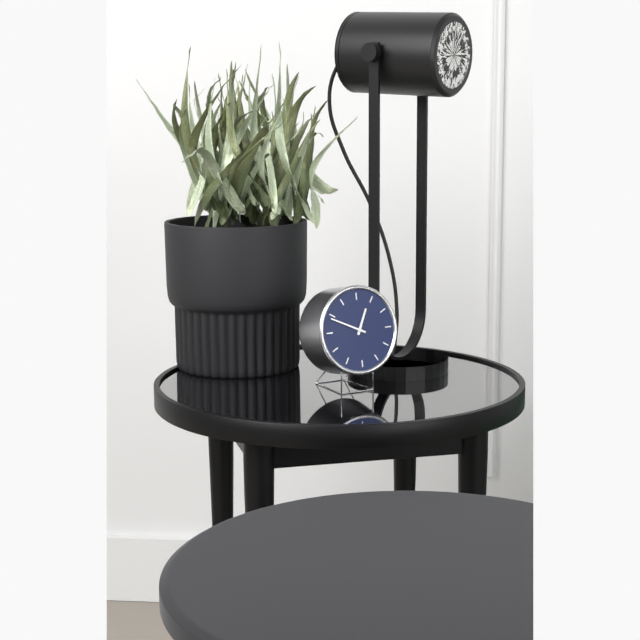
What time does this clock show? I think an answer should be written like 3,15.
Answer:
12,49
